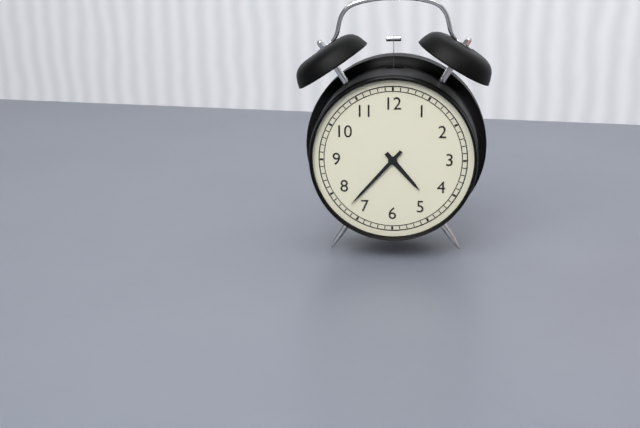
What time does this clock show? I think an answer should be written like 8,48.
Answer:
4,37
